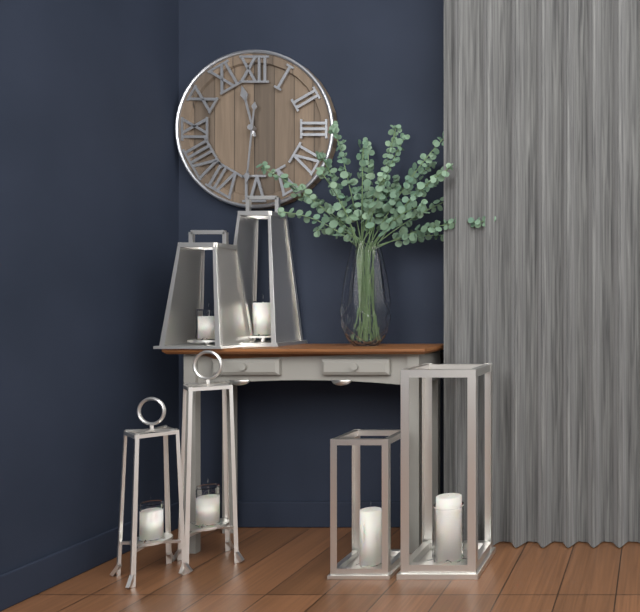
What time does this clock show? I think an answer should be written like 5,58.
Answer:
11,31
